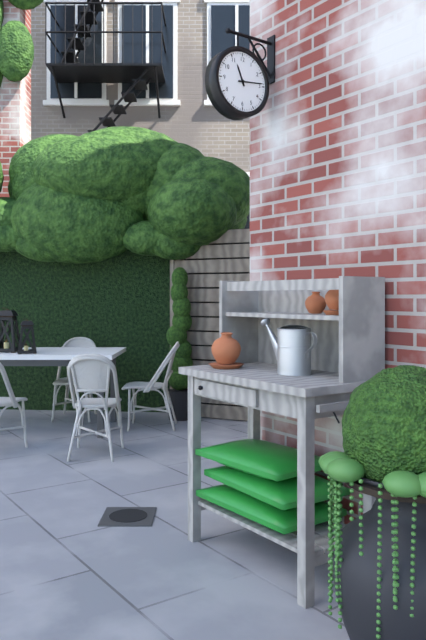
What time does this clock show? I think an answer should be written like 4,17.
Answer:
11,14
